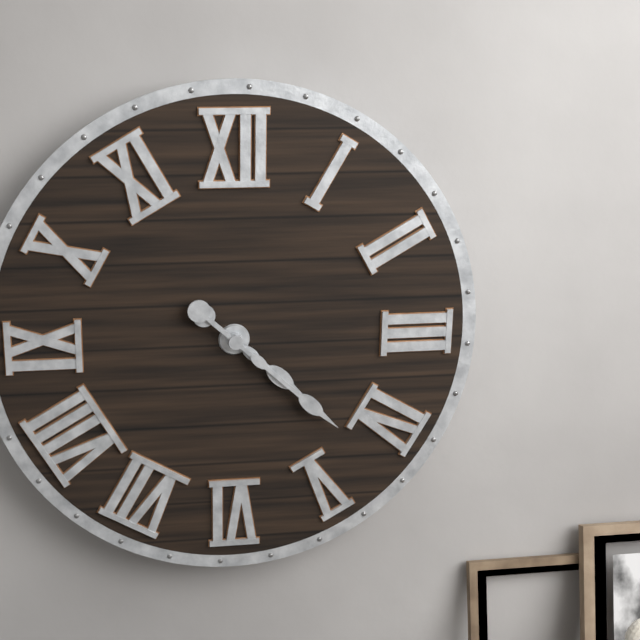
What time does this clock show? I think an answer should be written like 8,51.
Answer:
4,22
